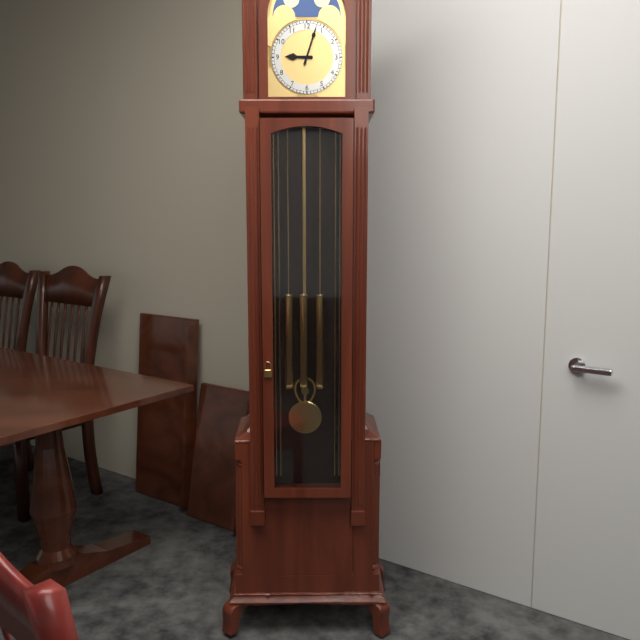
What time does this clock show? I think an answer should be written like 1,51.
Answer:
9,03
